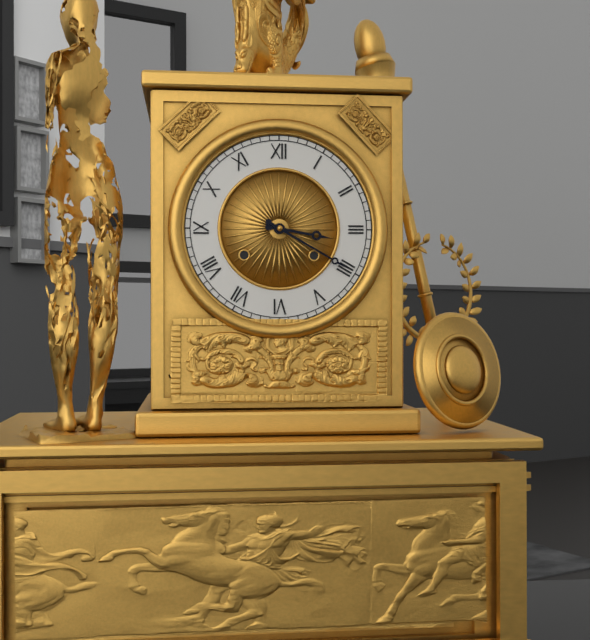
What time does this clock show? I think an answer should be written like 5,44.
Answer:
3,20
